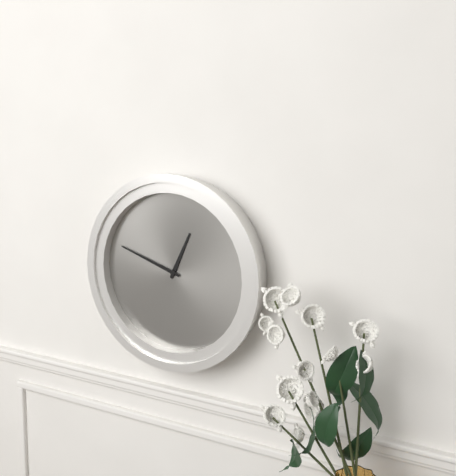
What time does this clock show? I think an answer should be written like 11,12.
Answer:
12,48
